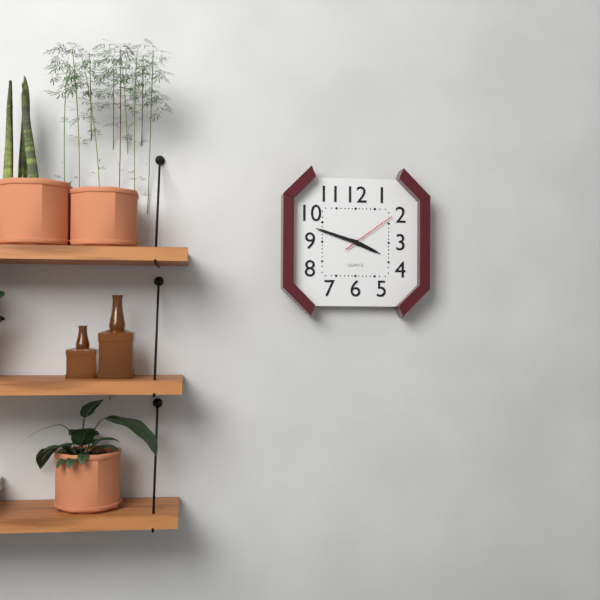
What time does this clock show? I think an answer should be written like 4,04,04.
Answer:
3,48,09
